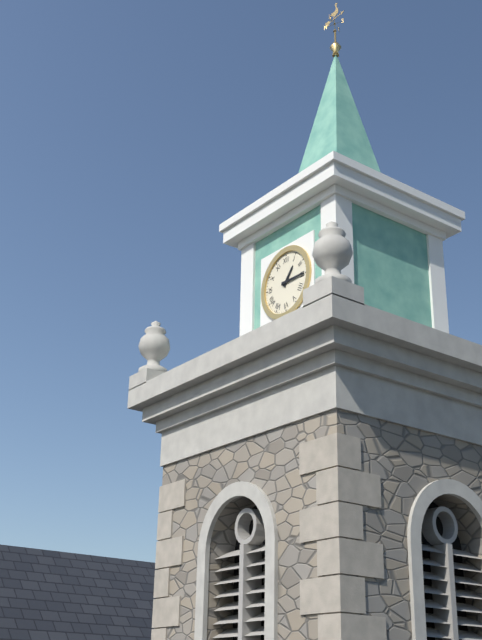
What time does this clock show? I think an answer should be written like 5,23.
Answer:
1,15
